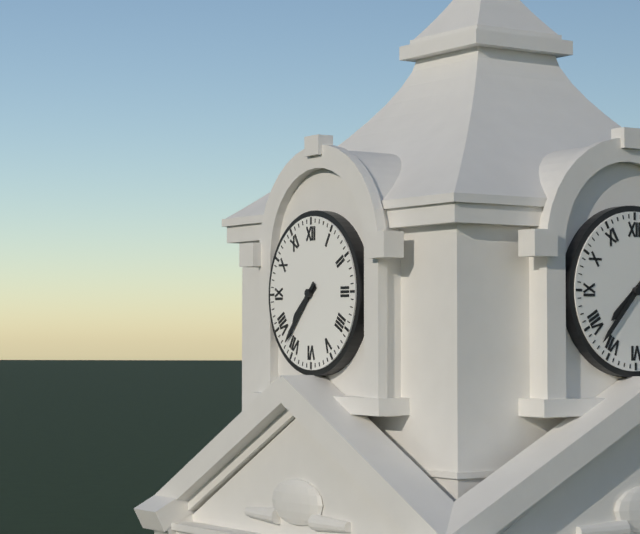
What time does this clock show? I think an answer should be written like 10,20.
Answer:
7,37
